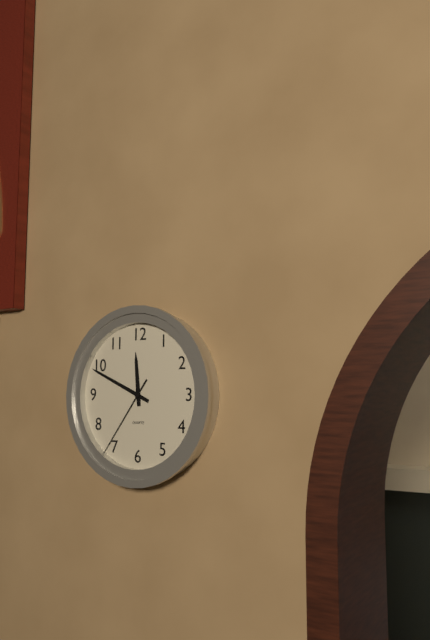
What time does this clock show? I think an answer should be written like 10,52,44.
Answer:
11,49,36
